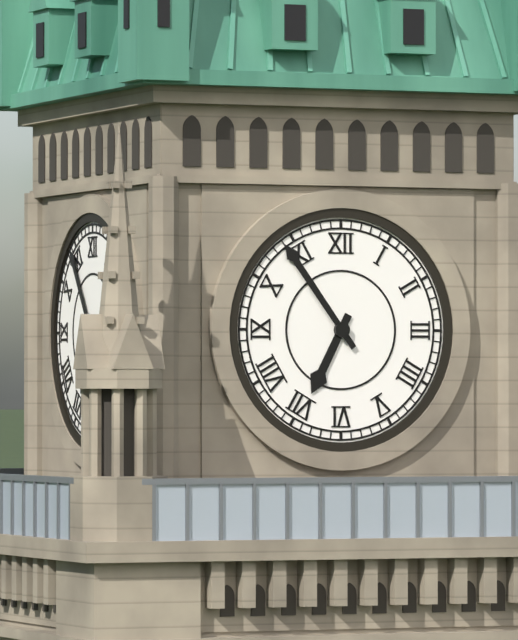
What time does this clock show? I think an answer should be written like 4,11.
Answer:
6,54
